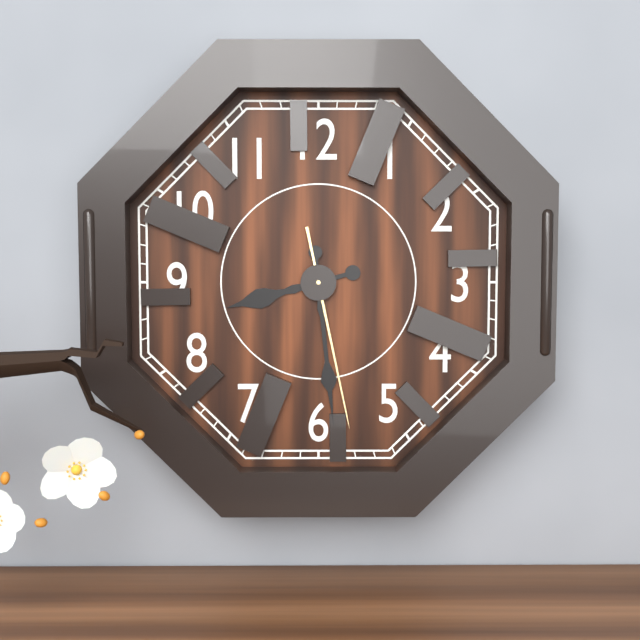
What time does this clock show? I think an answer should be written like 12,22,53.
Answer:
8,29,28
